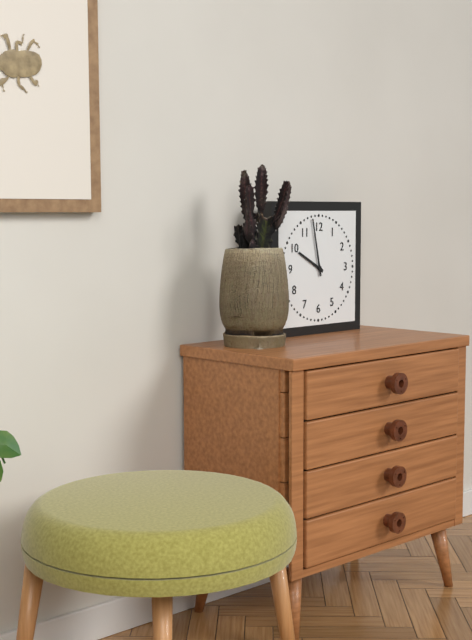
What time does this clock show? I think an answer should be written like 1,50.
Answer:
9,58
